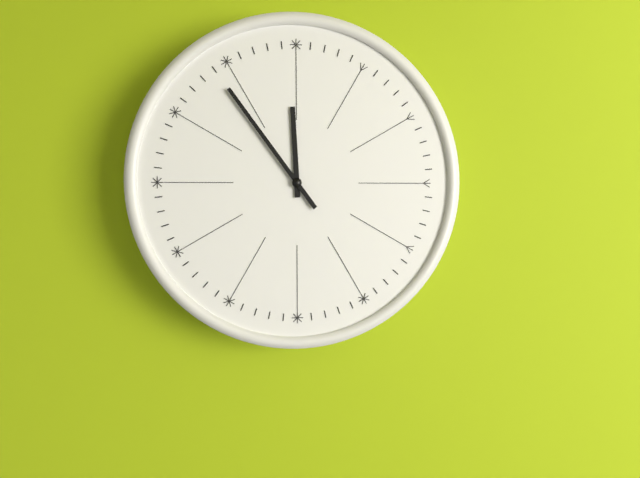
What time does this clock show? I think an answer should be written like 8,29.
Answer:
11,54
